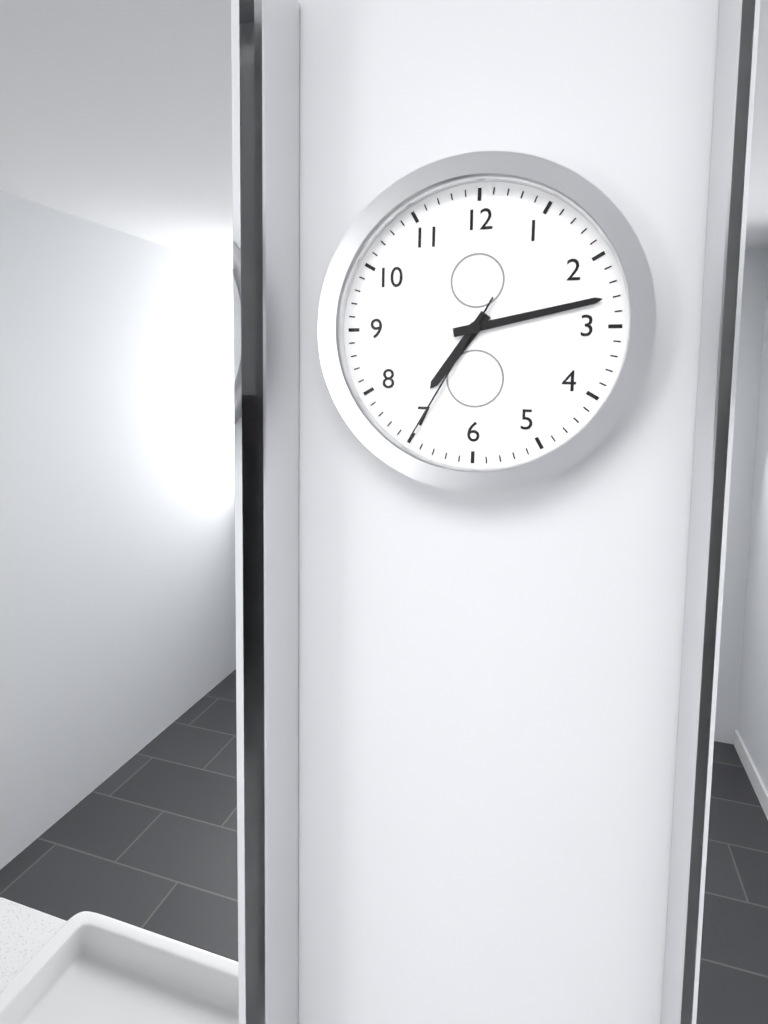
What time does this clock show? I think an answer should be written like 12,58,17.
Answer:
7,13,35
